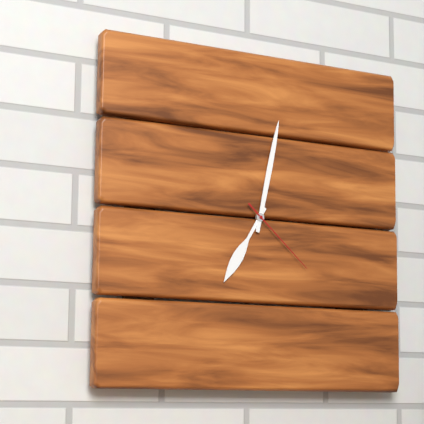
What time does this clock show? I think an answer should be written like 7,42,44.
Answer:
7,02,22
